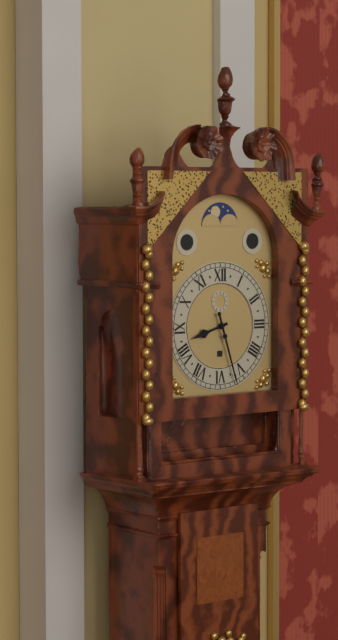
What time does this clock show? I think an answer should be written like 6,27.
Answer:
8,27
